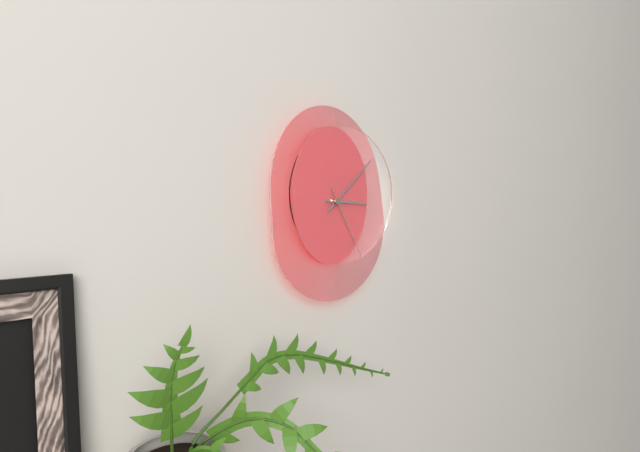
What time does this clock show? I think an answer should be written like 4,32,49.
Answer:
3,08,25
